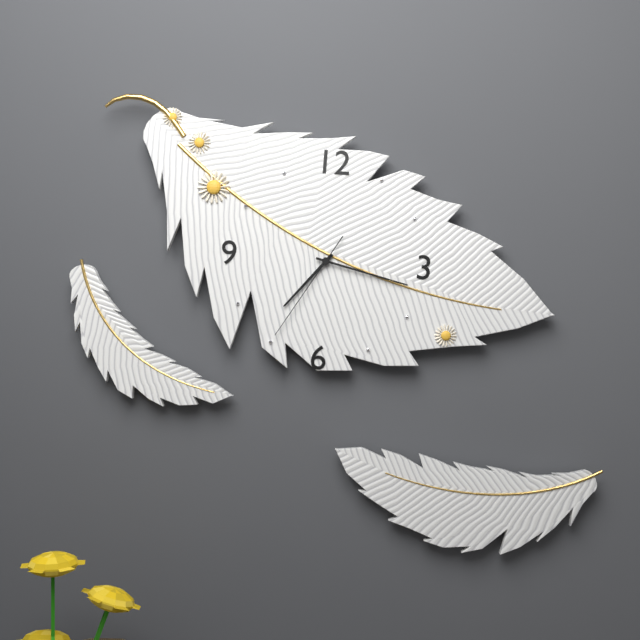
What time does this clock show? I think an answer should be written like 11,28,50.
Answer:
7,17,35
